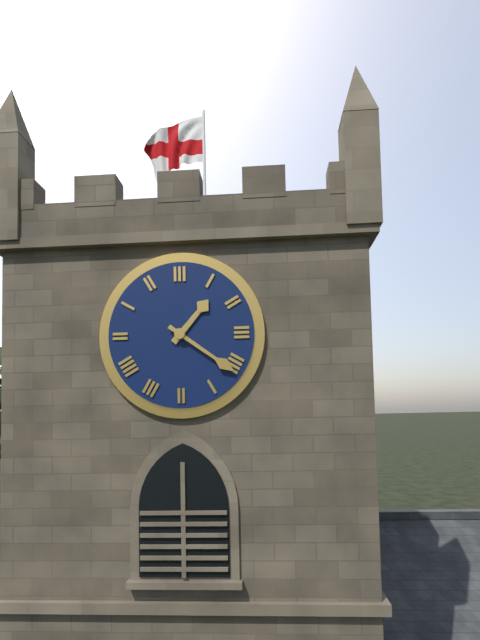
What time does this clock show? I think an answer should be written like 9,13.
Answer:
1,21
